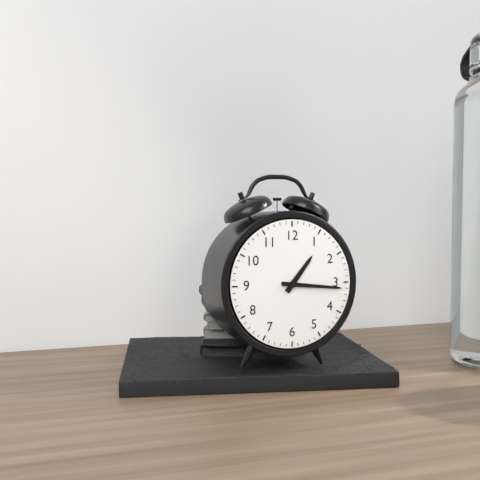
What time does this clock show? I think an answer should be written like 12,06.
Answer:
1,16
